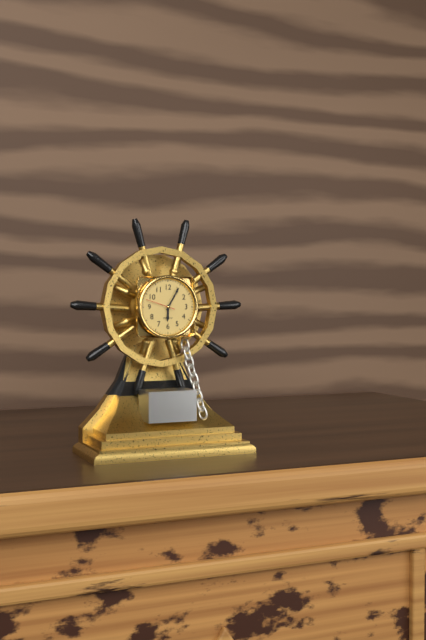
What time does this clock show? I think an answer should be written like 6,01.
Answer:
6,05
